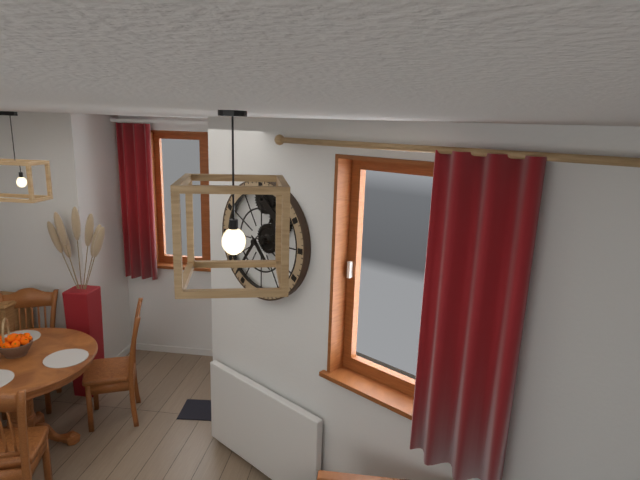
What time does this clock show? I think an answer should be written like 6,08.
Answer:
4,36
